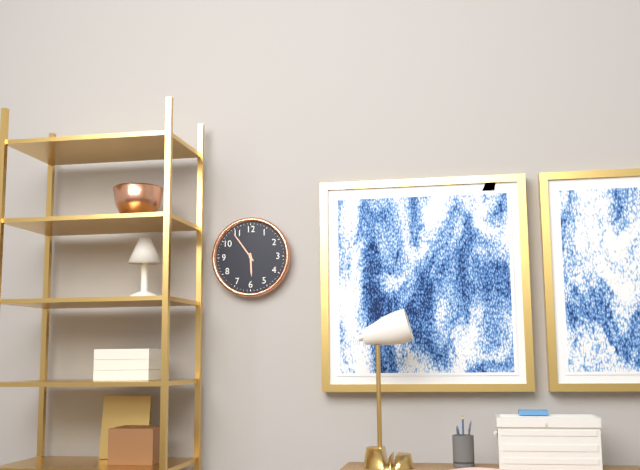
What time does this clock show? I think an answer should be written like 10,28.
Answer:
5,54
